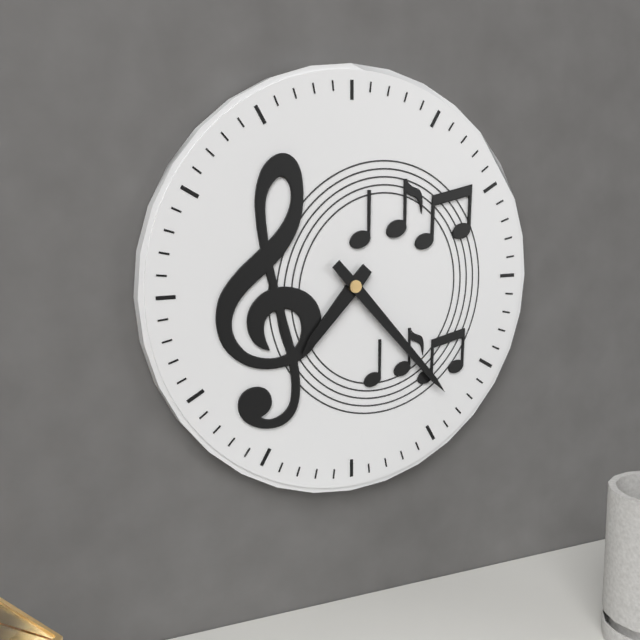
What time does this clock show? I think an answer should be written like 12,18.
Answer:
7,23
